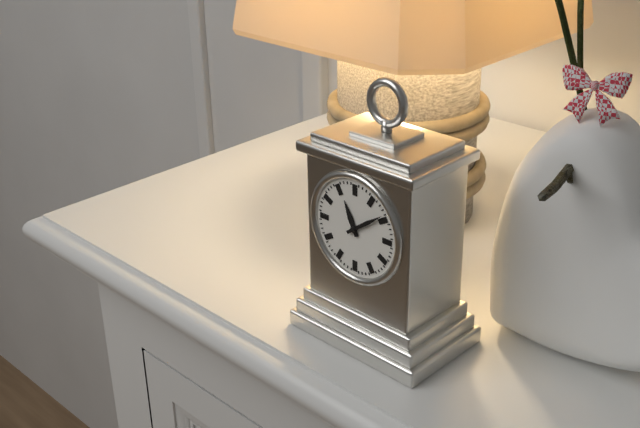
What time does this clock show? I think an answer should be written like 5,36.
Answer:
11,09
